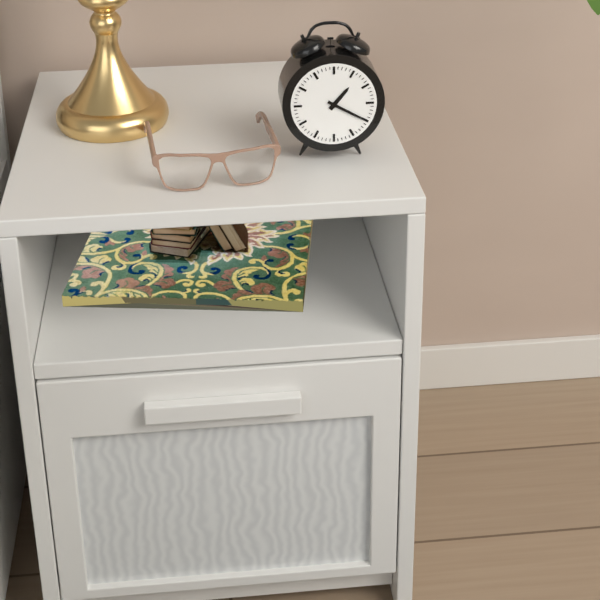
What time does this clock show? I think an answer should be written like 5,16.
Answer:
1,20
